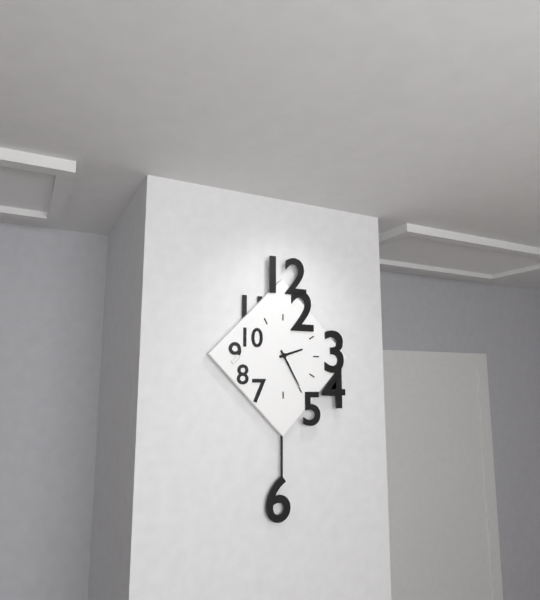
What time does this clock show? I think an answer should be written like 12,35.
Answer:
2,25
